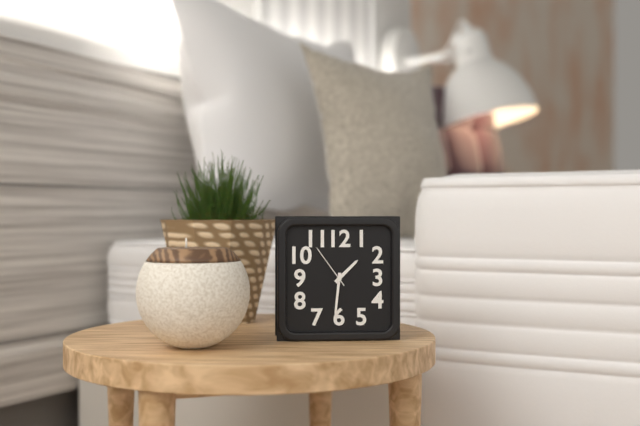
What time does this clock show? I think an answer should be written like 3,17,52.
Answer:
1,31,54
